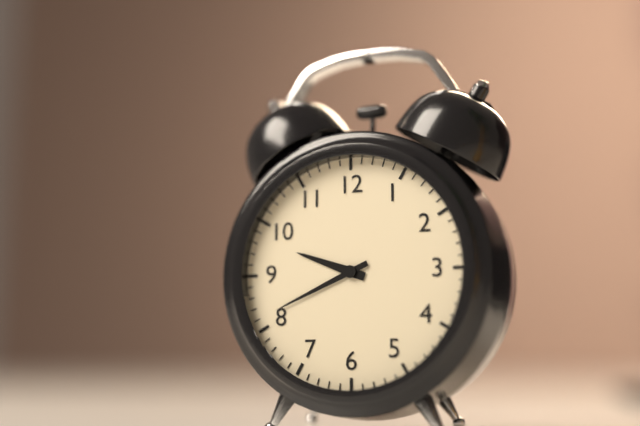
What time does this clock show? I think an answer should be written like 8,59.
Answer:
9,41
